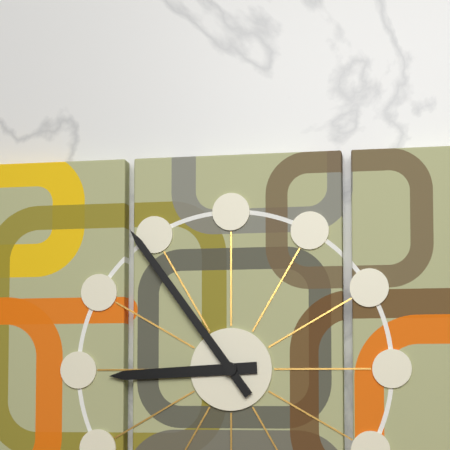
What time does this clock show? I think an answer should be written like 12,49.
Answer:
8,54
